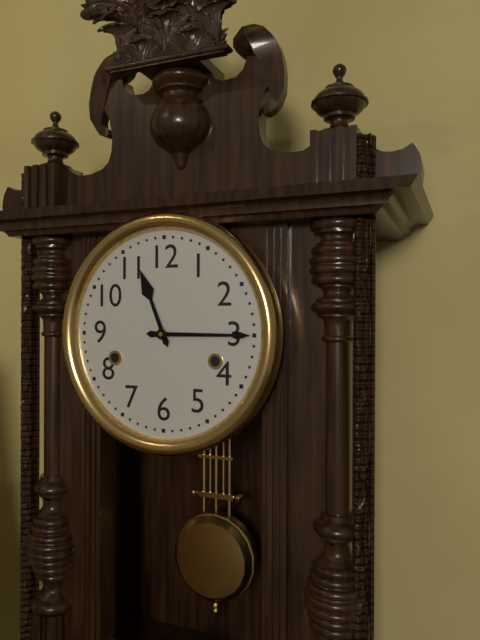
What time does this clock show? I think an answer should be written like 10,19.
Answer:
11,15
